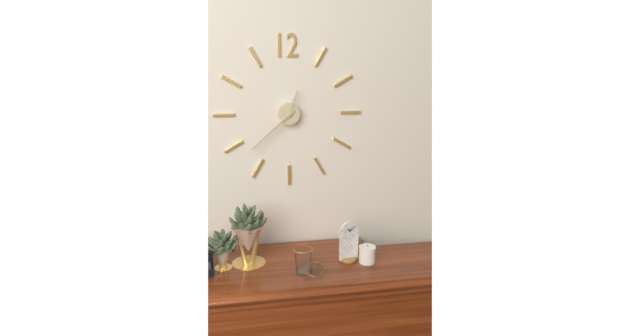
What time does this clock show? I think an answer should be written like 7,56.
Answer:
12,38
